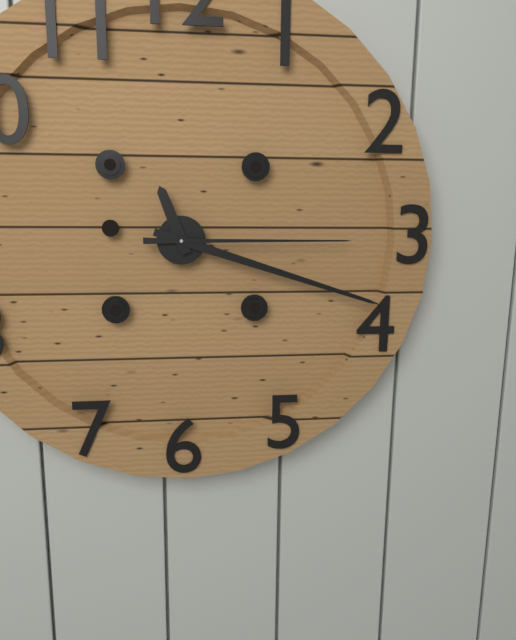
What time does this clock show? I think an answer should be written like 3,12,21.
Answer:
11,18,15
